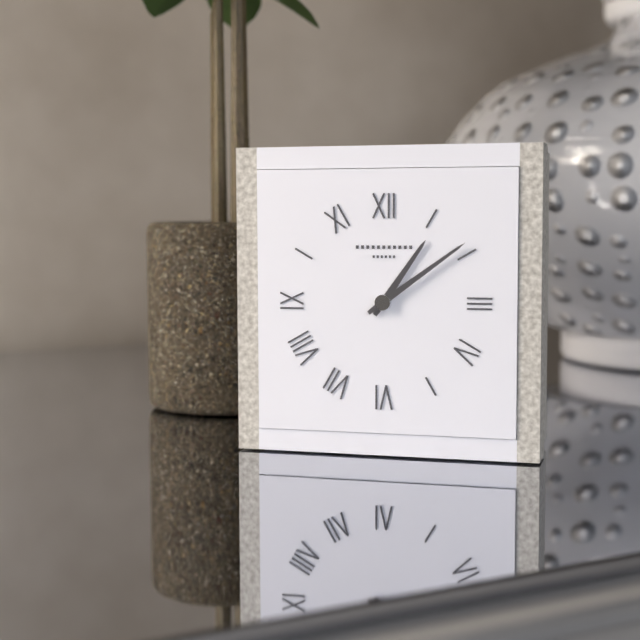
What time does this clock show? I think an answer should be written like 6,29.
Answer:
1,09
